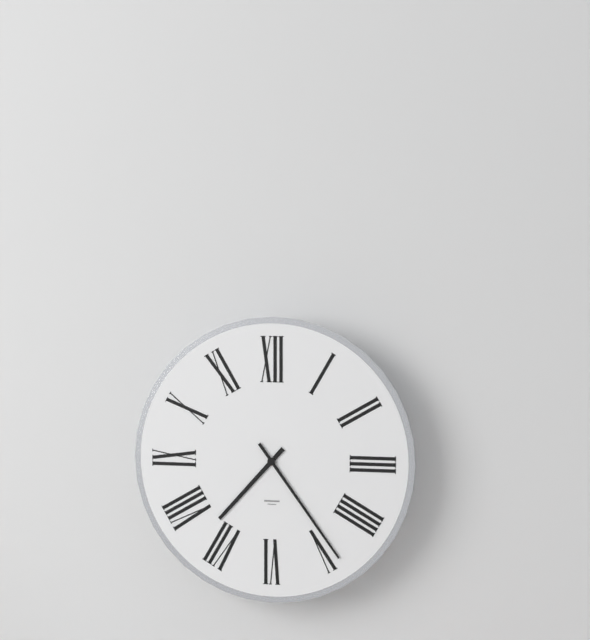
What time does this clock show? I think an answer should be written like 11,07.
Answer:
7,24
